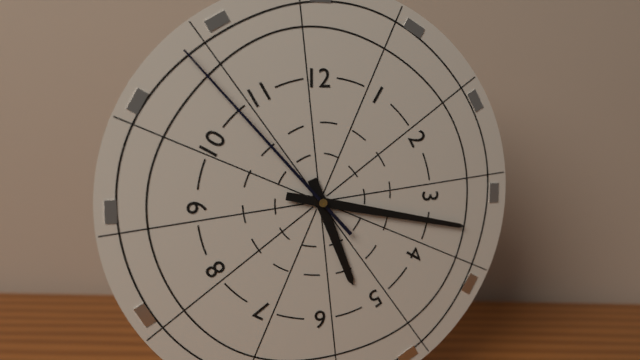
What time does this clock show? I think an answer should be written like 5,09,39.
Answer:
5,17,53
